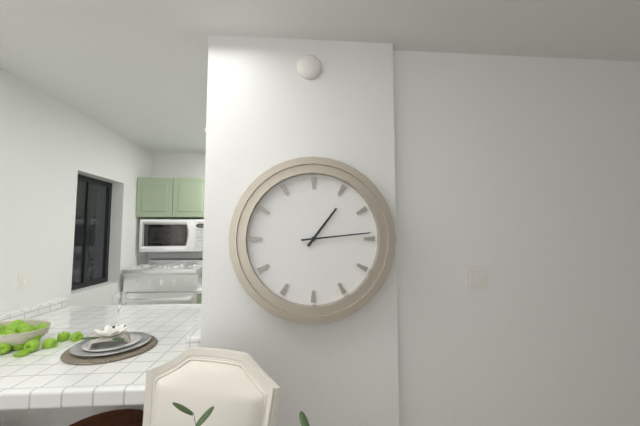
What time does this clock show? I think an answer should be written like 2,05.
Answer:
1,14
